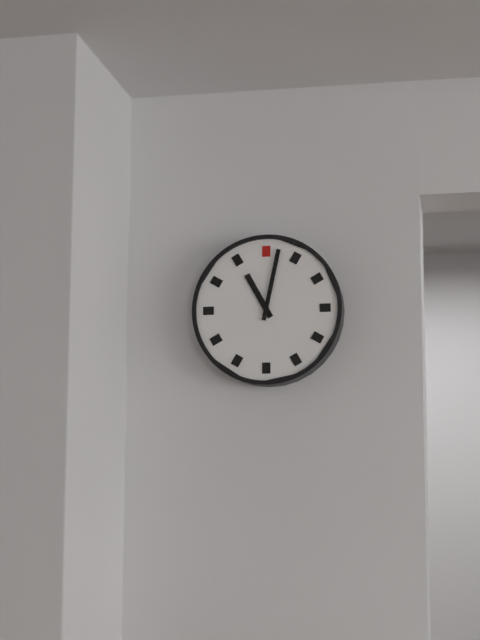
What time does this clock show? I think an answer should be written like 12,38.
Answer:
11,02
